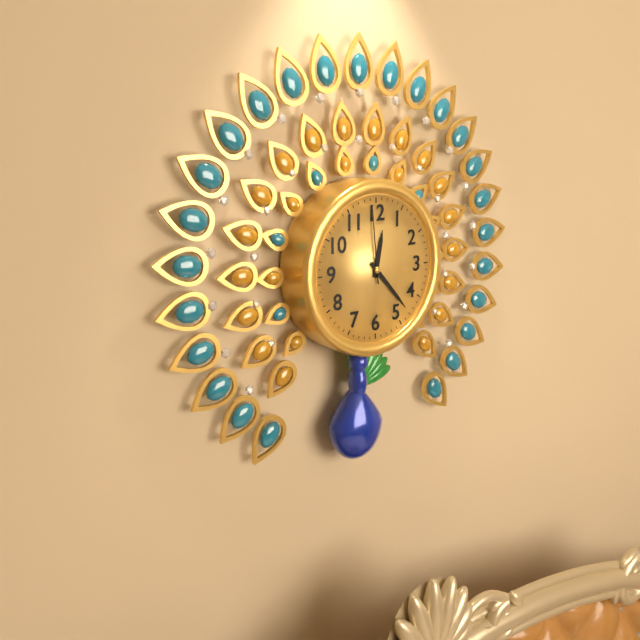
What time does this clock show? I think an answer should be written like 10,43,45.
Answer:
12,23,59
